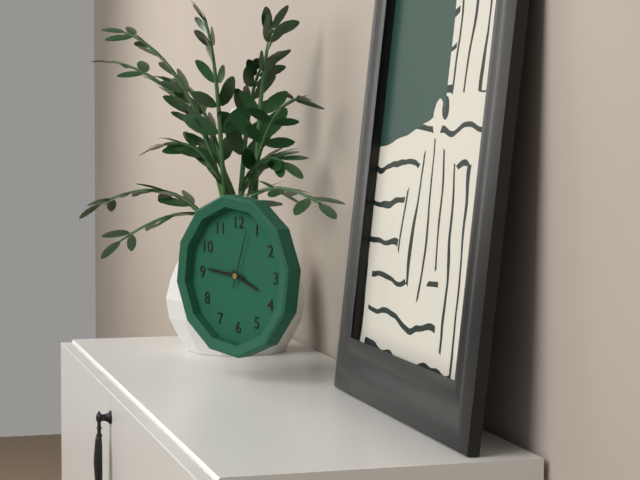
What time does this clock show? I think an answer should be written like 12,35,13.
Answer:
3,46,03
